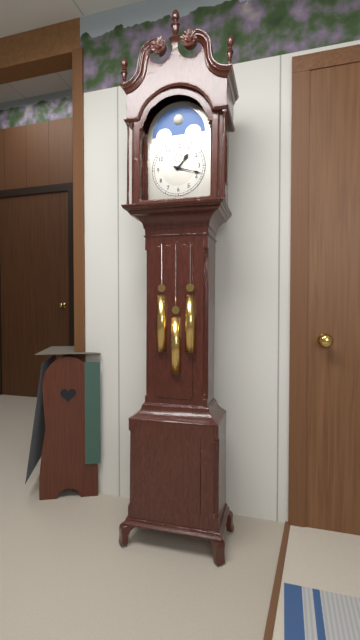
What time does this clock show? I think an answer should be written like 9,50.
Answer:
1,18
